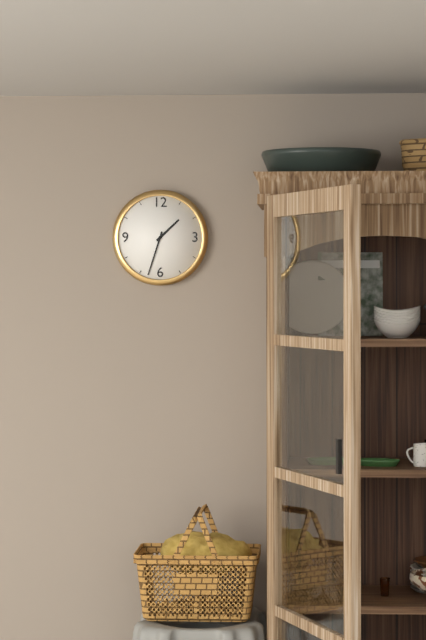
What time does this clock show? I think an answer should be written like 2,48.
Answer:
1,33
